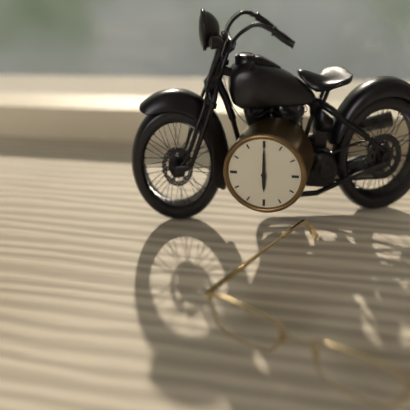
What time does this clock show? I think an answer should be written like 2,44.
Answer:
6,00
